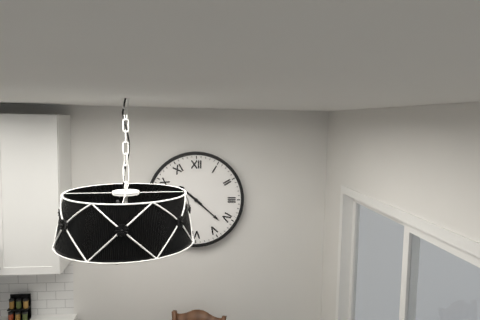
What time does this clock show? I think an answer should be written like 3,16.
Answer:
10,22
